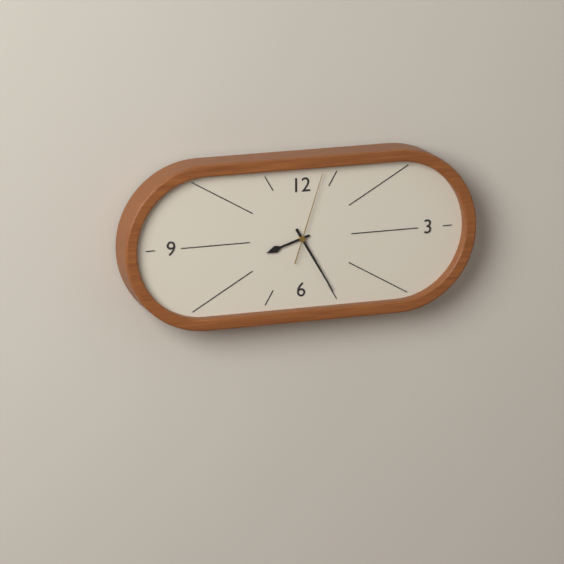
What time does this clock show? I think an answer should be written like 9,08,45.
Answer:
8,25,03
